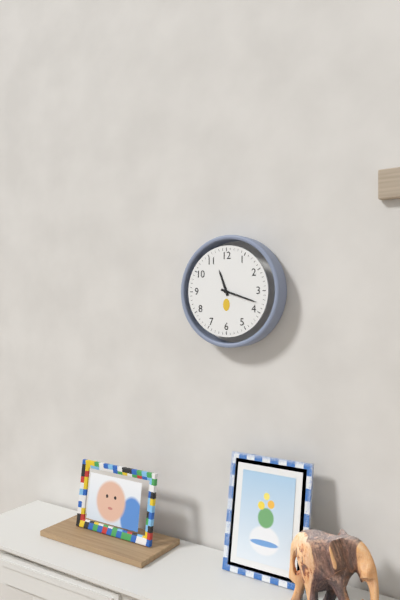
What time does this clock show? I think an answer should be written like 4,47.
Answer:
11,18
